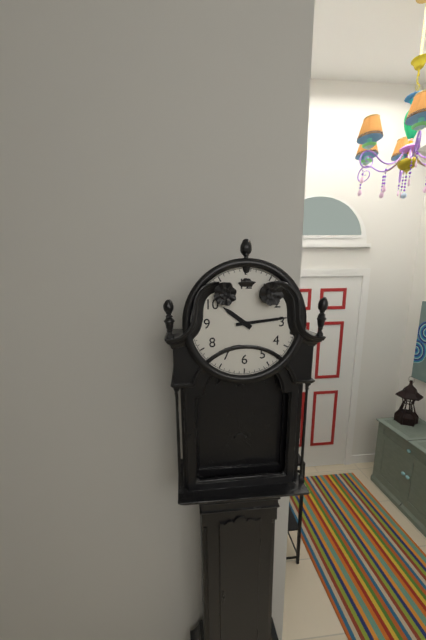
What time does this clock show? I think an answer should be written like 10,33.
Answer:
10,14
